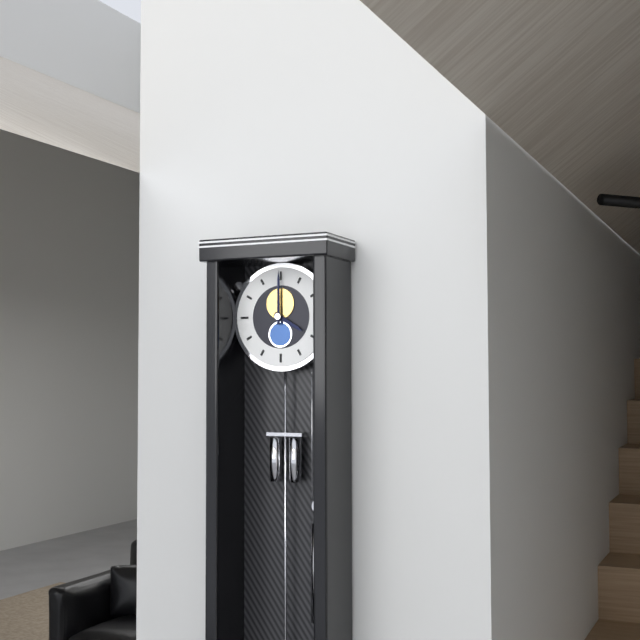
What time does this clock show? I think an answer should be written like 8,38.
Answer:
4,00
